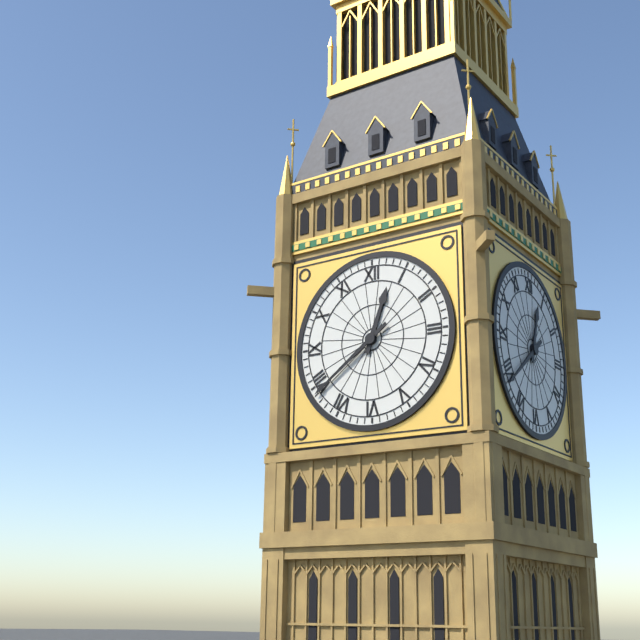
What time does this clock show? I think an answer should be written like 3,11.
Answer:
12,39
